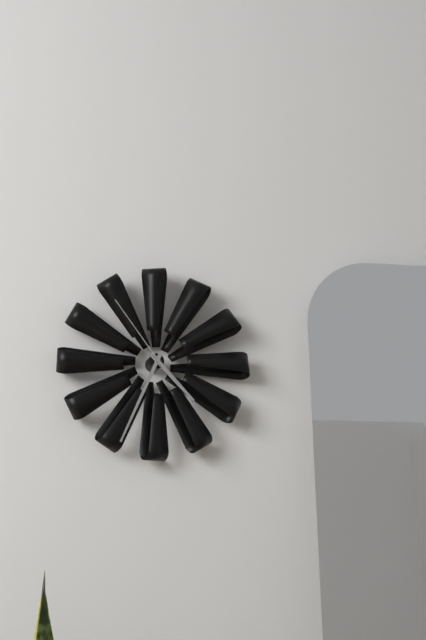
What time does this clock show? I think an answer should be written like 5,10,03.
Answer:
4,34,54
